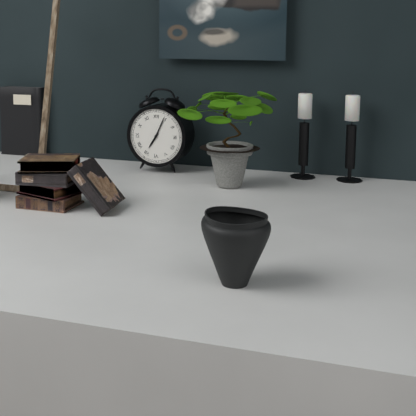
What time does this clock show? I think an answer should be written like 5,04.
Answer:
7,04
